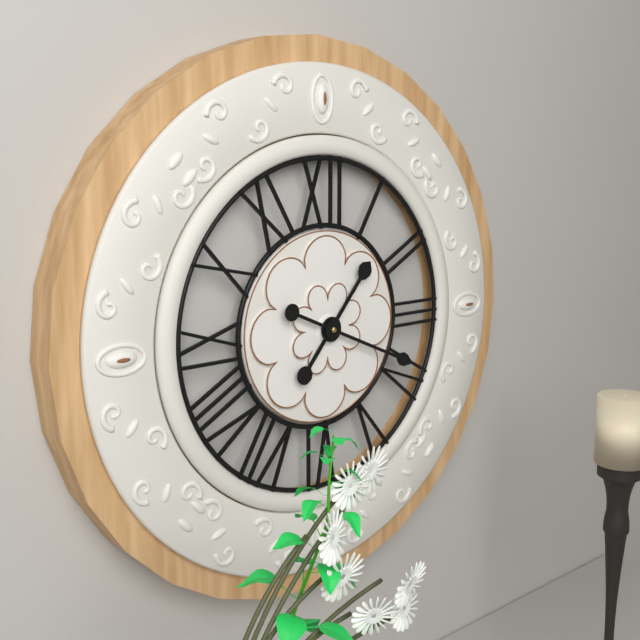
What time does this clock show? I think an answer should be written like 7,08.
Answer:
1,19
